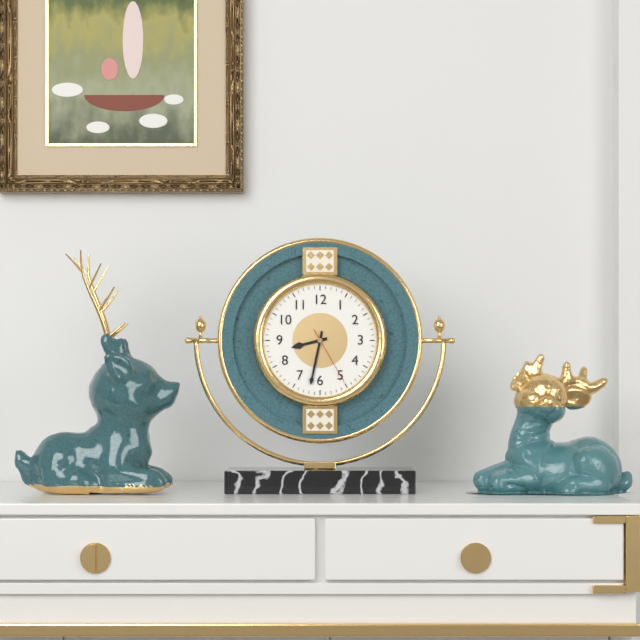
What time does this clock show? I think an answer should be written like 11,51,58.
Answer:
8,32,25
